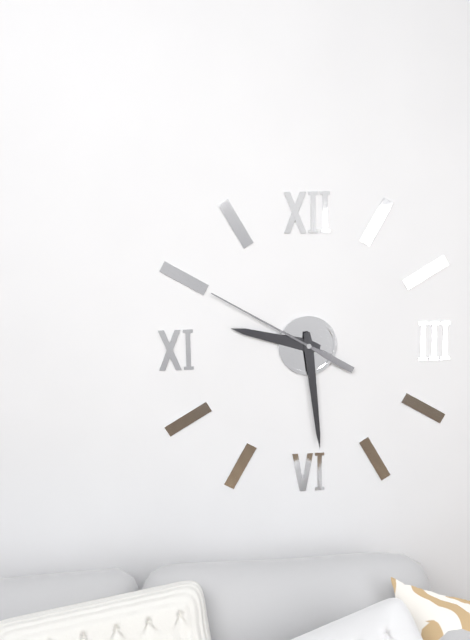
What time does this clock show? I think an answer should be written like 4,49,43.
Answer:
9,29,50
